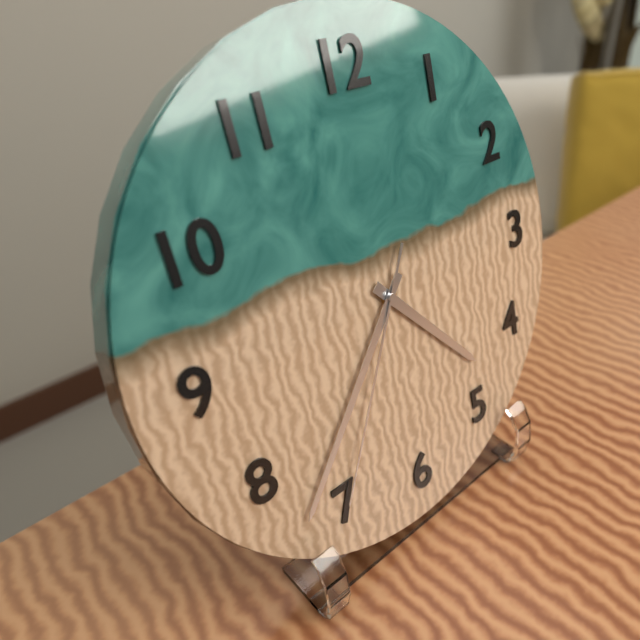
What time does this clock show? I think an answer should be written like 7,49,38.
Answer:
4,37,35
